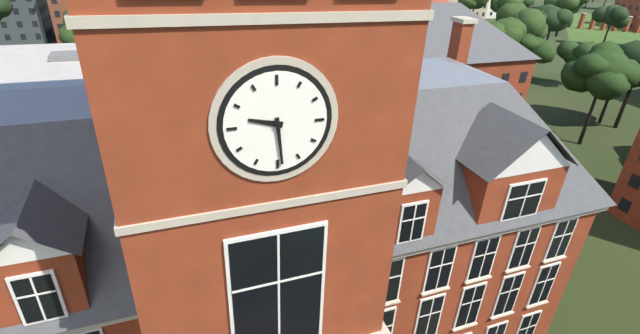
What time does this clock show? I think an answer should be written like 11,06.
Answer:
9,29
